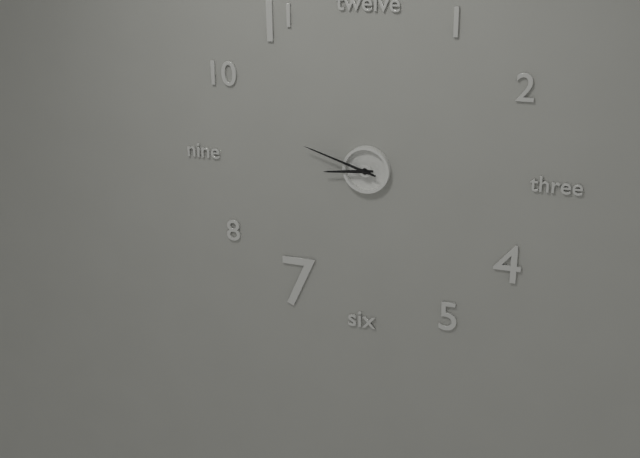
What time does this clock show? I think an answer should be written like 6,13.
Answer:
8,48
